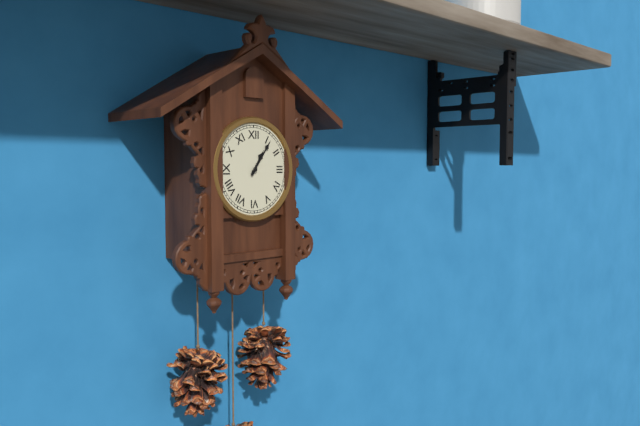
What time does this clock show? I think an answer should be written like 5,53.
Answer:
1,06
